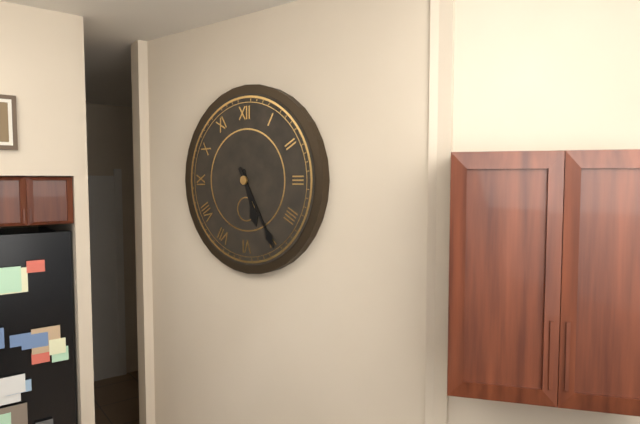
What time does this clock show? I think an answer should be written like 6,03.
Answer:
5,25
